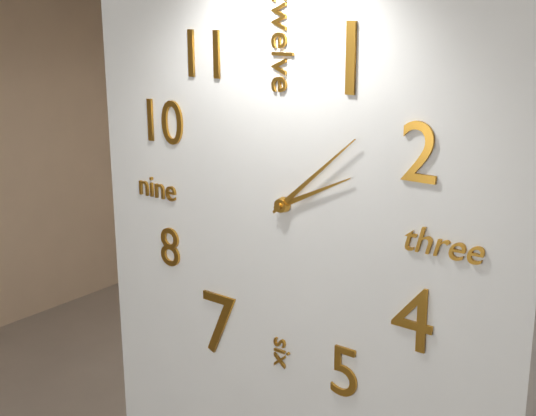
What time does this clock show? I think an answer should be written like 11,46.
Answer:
2,08
